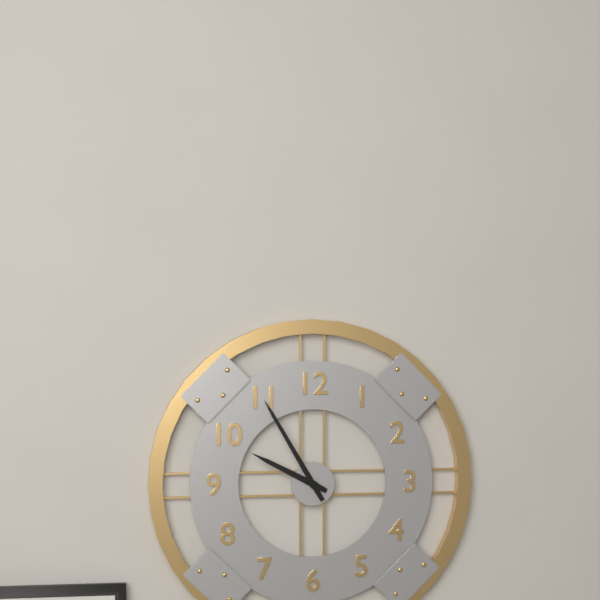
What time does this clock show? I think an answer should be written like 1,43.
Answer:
9,55
